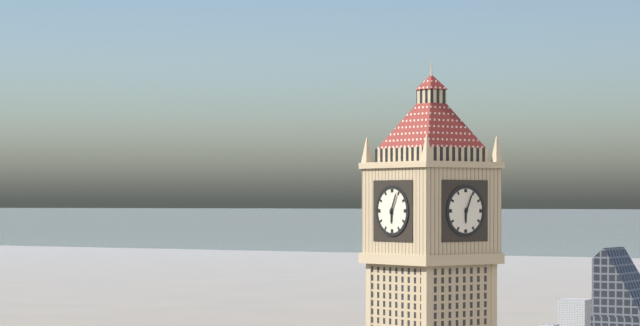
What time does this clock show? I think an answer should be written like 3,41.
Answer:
6,04
